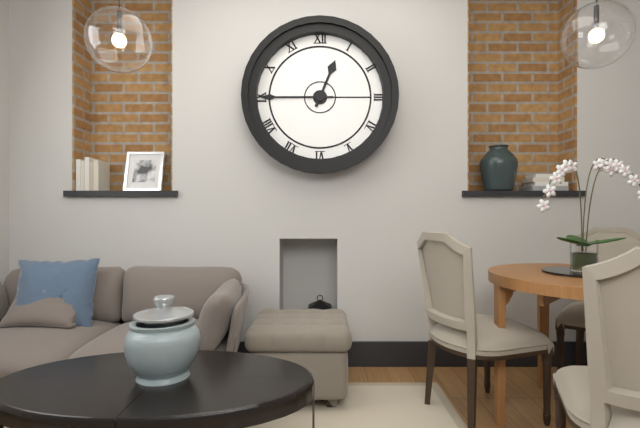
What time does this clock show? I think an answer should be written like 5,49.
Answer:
12,45
